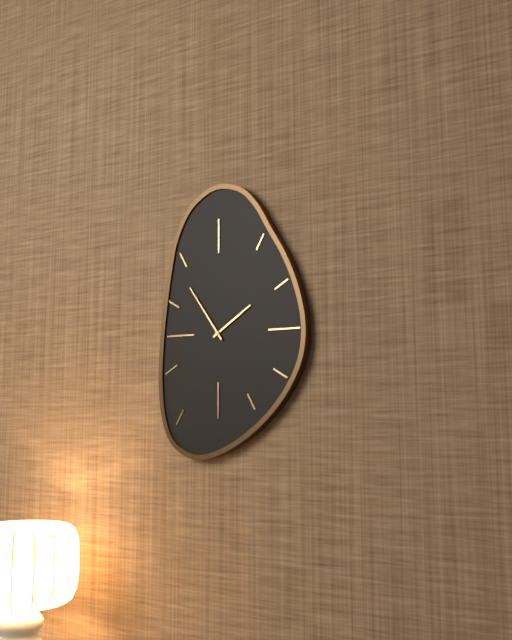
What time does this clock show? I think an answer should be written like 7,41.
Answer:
1,54
